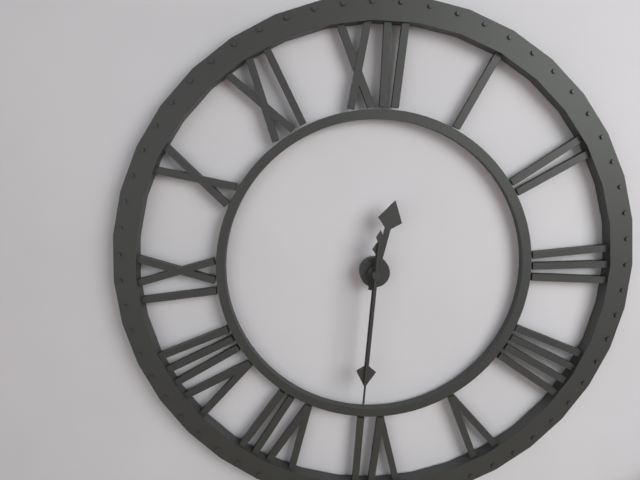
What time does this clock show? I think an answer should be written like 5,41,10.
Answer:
12,31,31
